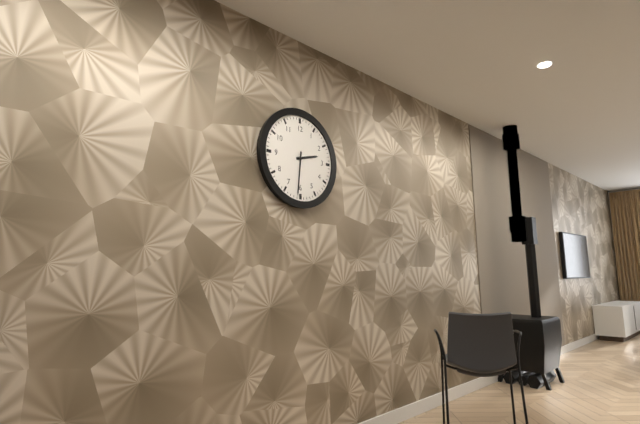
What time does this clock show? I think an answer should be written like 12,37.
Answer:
2,31
